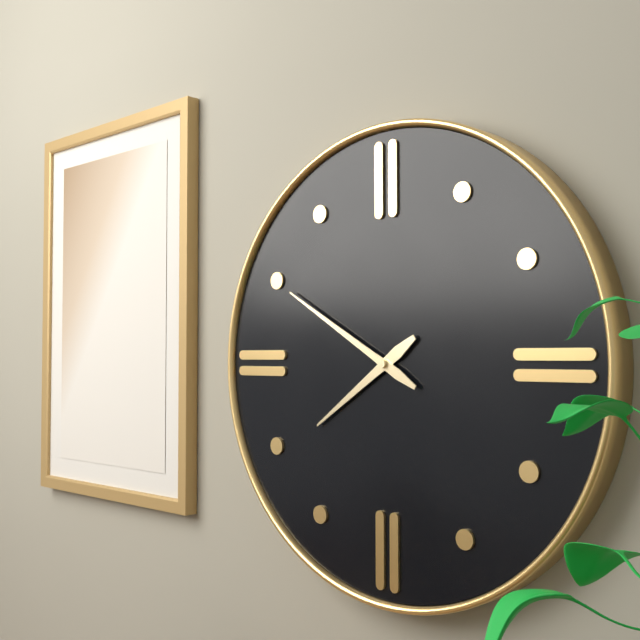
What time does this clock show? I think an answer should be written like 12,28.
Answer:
7,50
